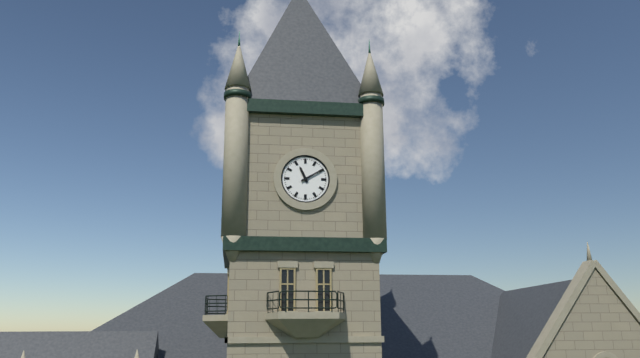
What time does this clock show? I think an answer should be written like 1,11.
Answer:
11,10
